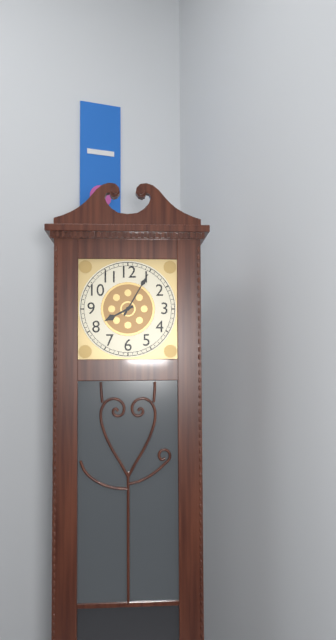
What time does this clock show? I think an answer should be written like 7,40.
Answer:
8,05
